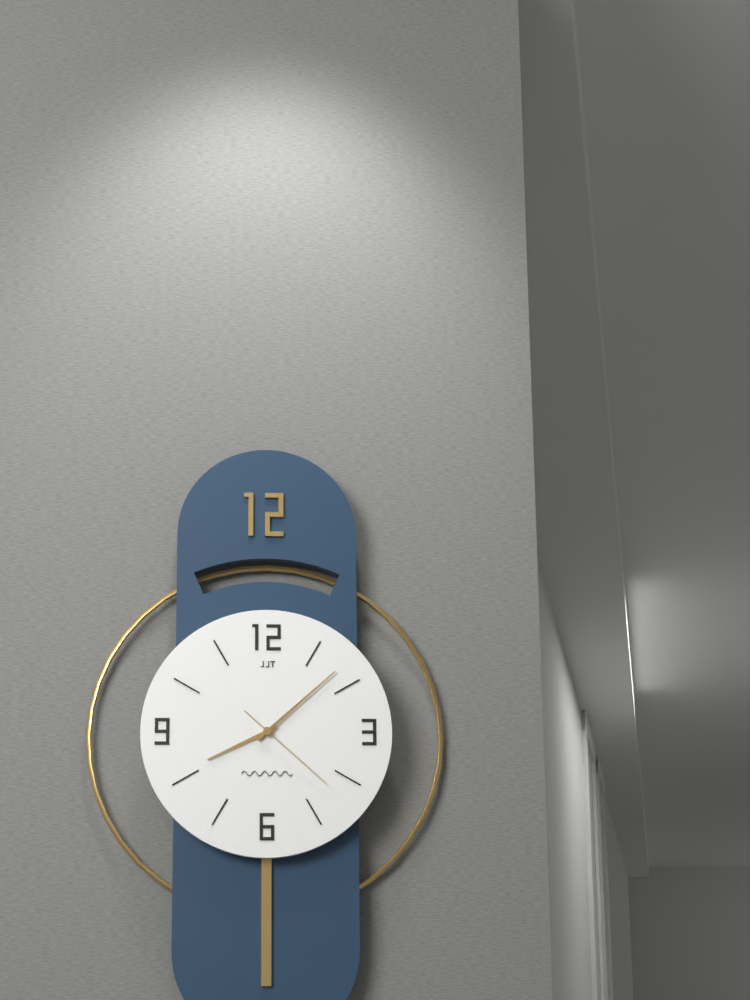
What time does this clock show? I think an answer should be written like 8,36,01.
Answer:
8,08,22
